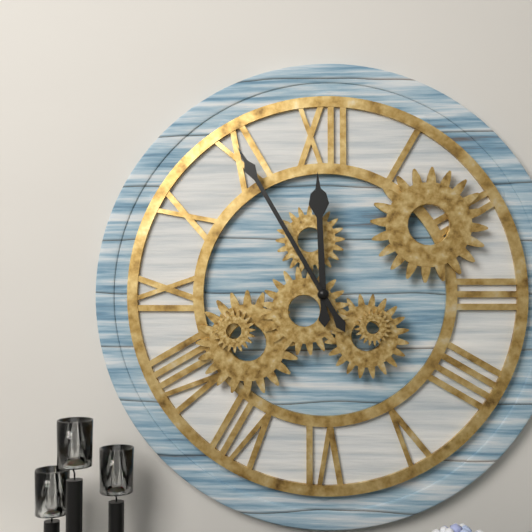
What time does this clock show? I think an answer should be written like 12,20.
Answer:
11,55
